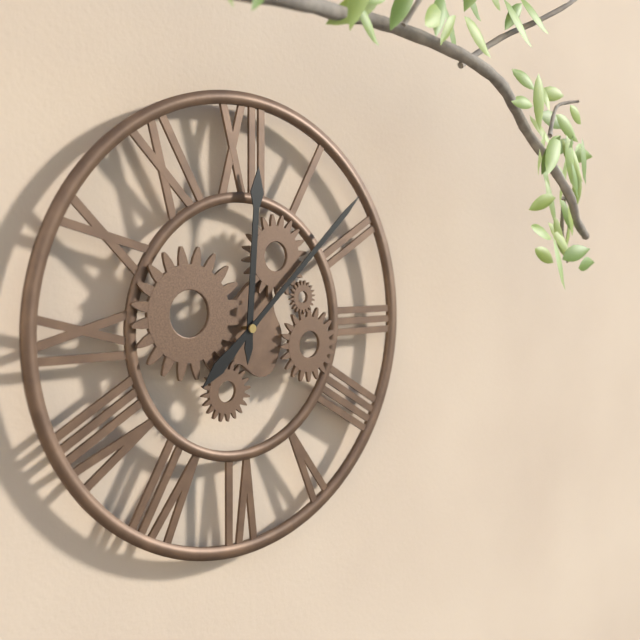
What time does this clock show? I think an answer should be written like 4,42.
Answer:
12,08
